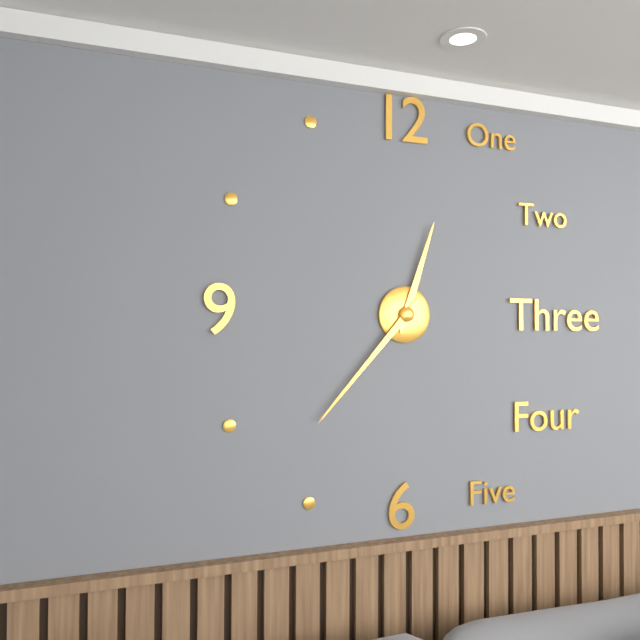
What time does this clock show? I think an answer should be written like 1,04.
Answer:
12,37
